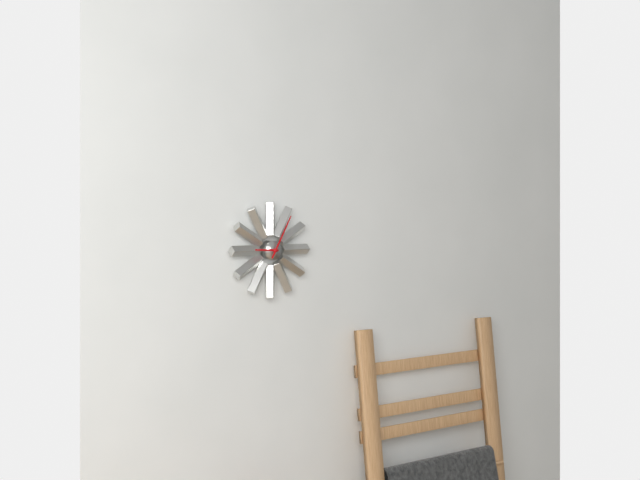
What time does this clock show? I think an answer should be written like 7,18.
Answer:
9,05
